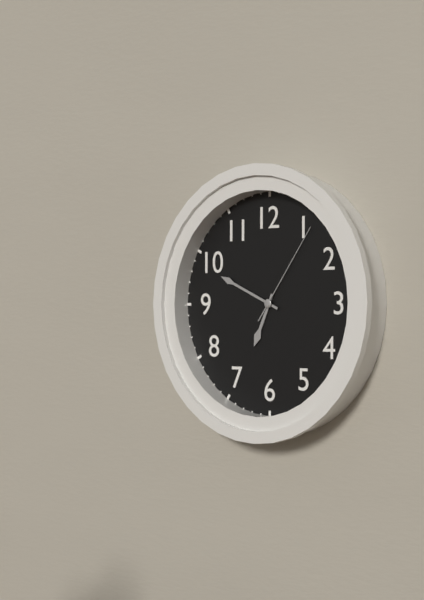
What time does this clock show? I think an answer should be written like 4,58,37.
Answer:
6,49,06
